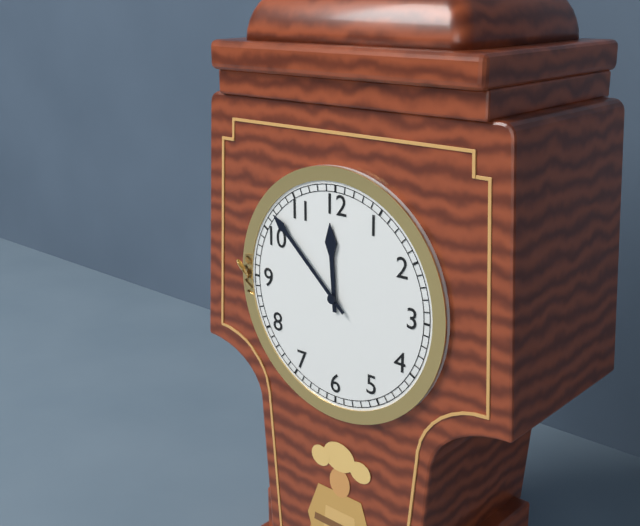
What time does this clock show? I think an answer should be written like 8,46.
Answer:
11,52
